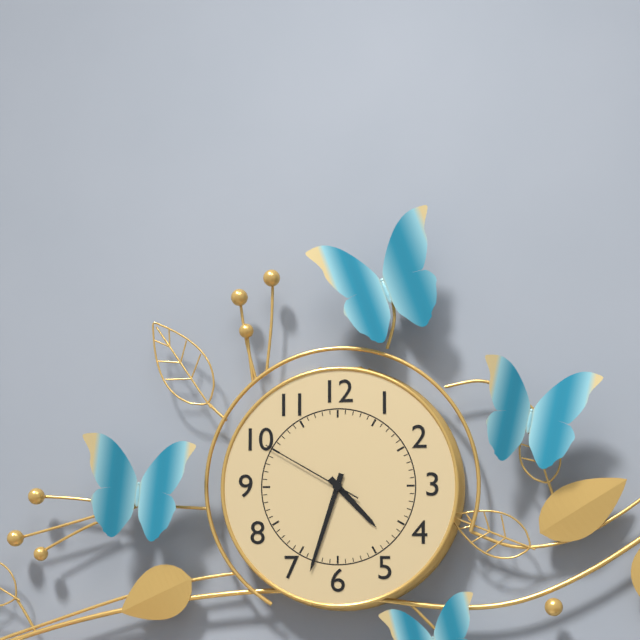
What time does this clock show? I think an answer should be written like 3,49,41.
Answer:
4,33,50
